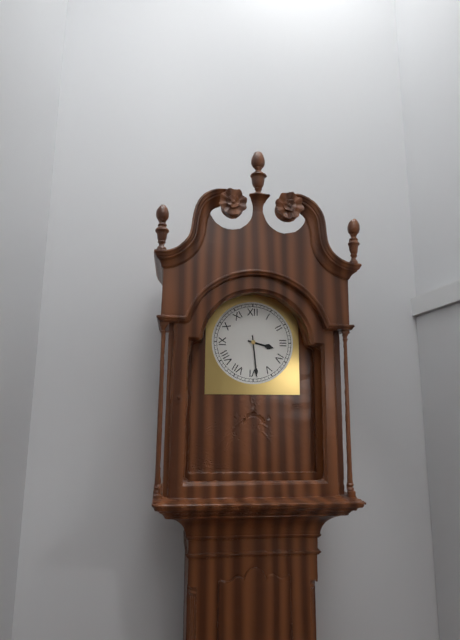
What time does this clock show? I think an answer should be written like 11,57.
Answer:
3,29
